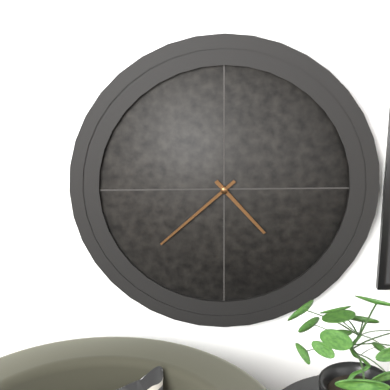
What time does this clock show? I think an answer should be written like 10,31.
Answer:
4,38
